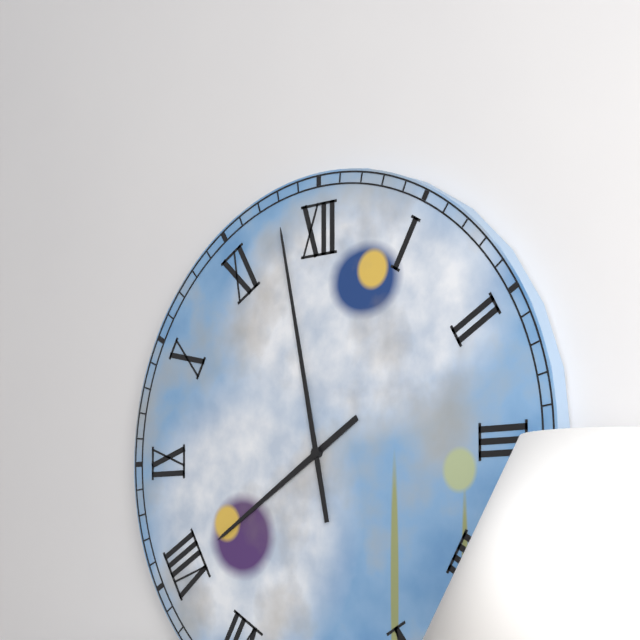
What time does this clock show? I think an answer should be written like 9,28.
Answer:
7,58
